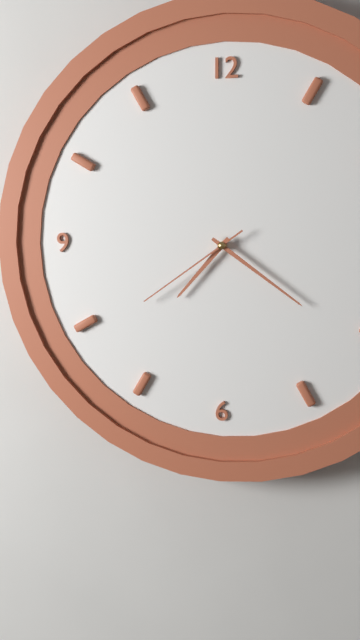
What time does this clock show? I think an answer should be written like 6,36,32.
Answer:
7,21,39
